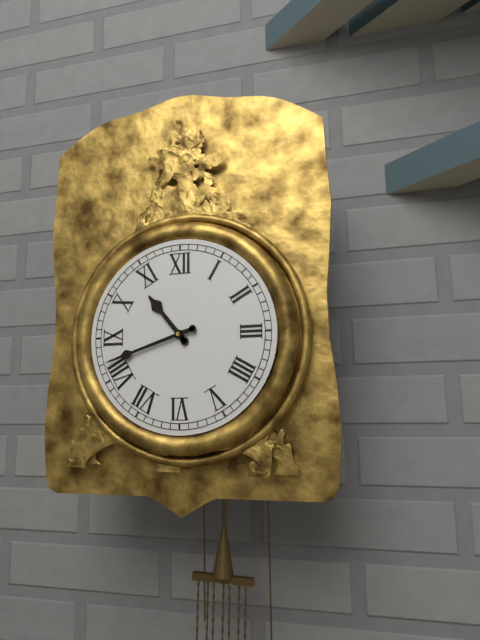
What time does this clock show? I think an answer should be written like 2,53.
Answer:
10,42
